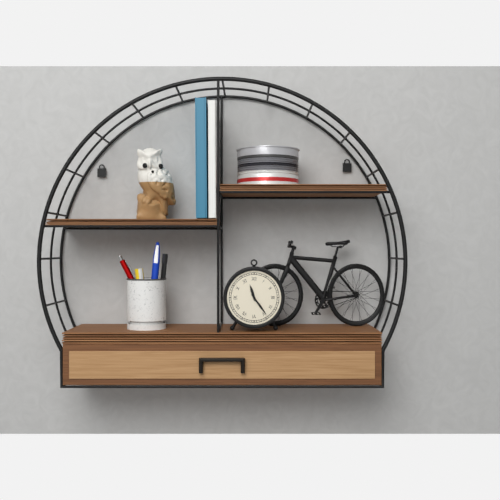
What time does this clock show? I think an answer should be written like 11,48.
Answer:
11,24
